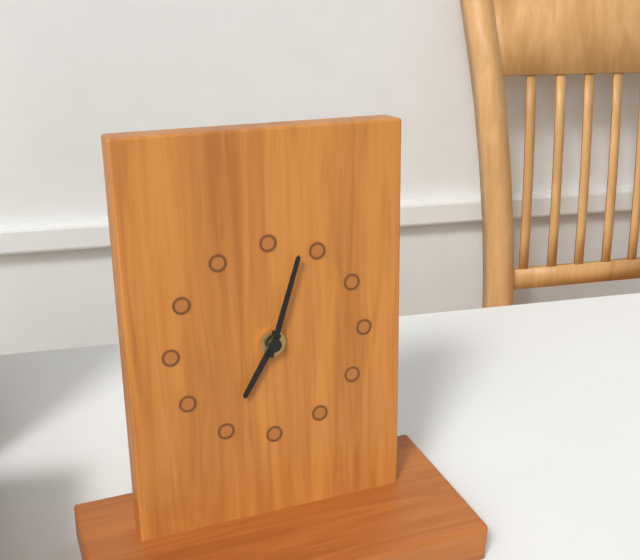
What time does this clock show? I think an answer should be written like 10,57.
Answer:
7,03
